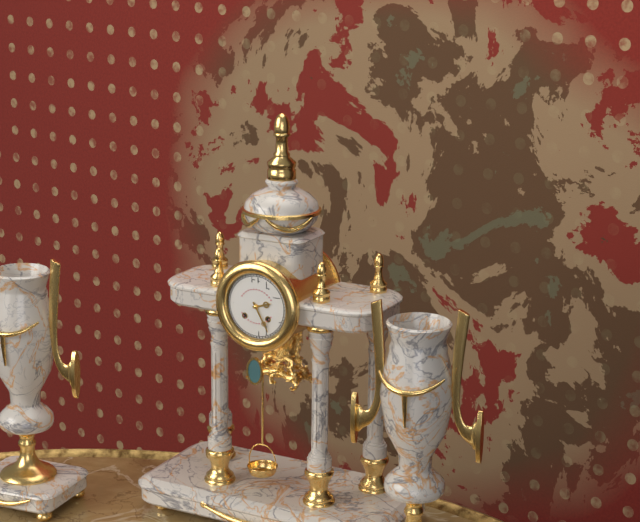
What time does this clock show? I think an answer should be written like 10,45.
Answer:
2,25
